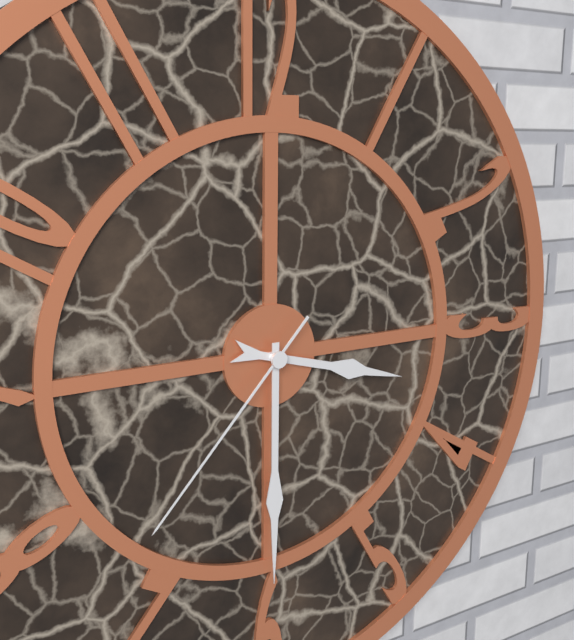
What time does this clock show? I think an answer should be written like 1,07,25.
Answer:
3,30,37
